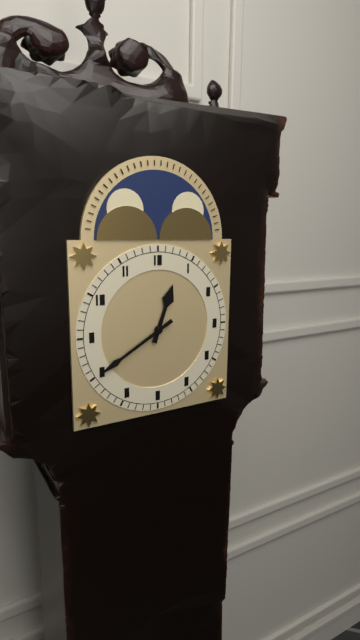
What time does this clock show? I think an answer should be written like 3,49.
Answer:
12,40
